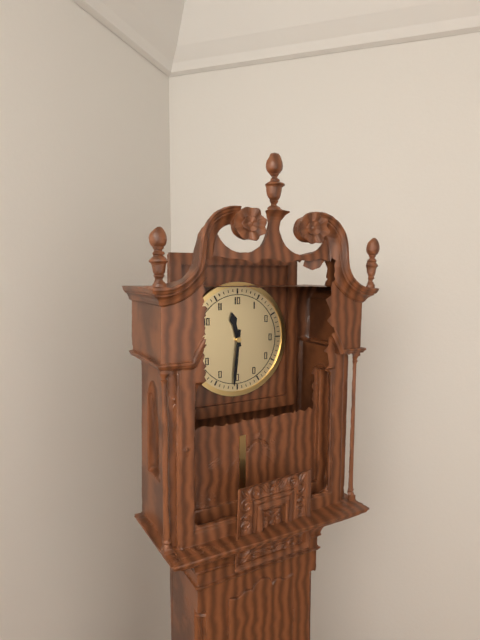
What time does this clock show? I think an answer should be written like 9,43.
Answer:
11,31
